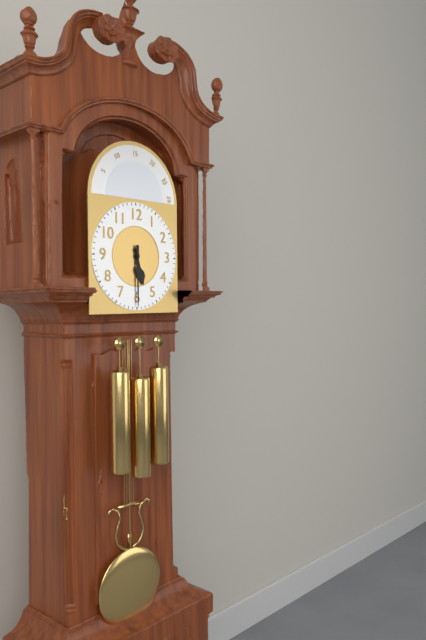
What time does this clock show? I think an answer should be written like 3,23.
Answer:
5,30
